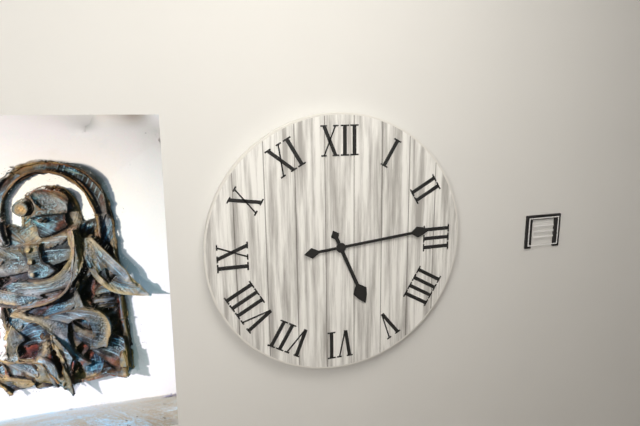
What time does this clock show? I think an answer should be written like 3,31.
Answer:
5,14
